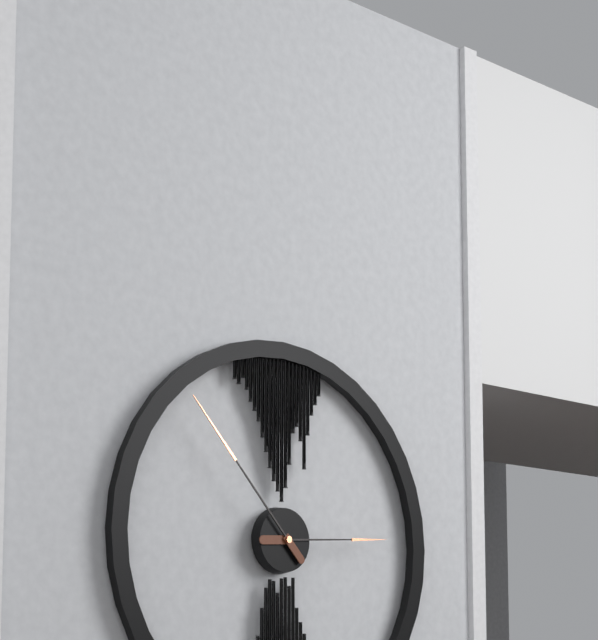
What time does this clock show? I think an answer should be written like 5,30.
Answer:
2,53
